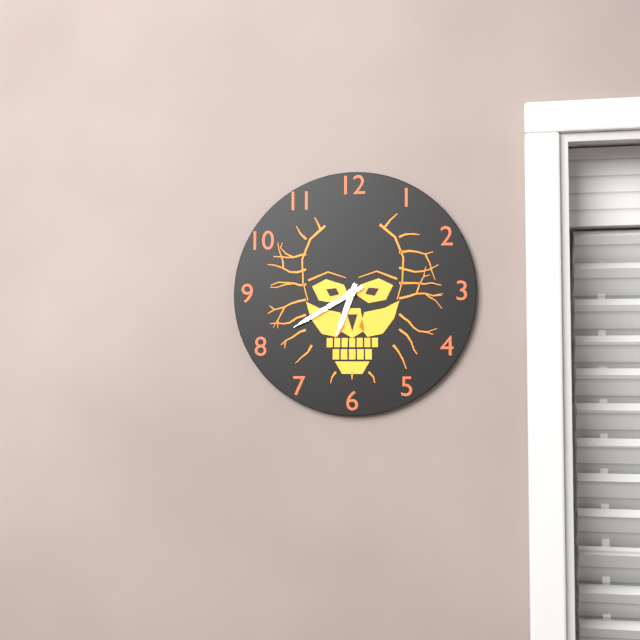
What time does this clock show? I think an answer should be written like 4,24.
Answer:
6,40
